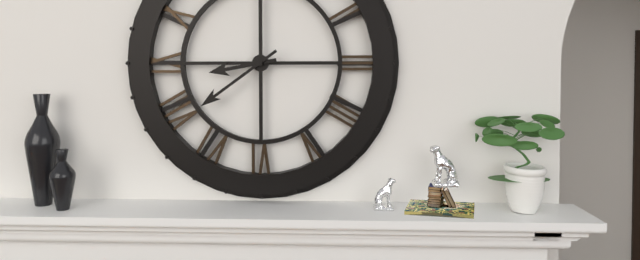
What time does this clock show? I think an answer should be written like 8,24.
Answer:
8,39
